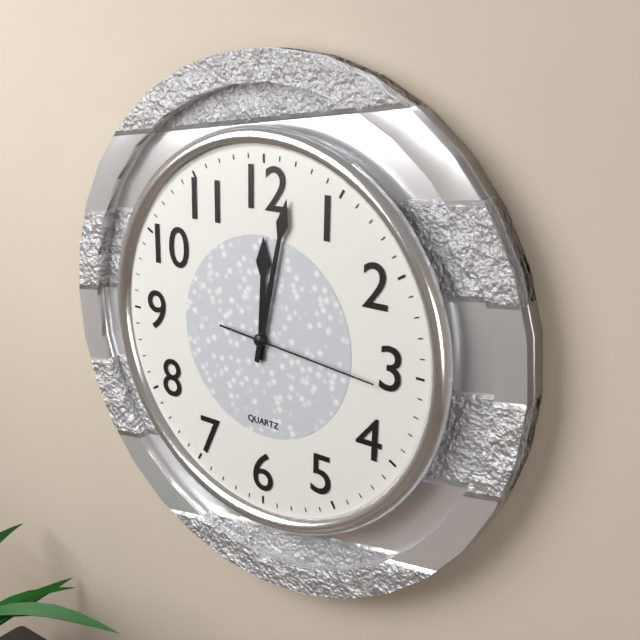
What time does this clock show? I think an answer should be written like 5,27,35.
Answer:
12,02,16
